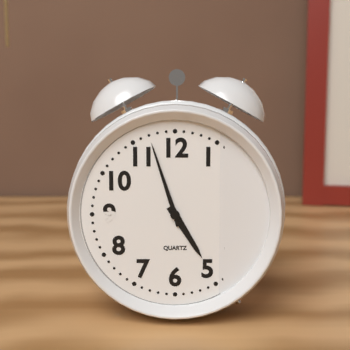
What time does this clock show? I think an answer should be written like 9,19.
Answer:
4,57
